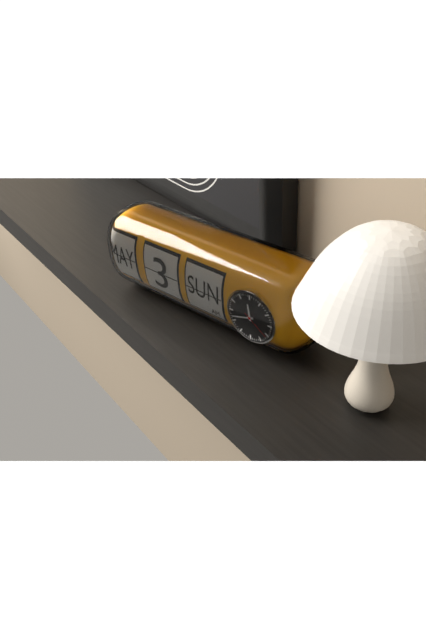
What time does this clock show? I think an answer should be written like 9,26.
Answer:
11,42
